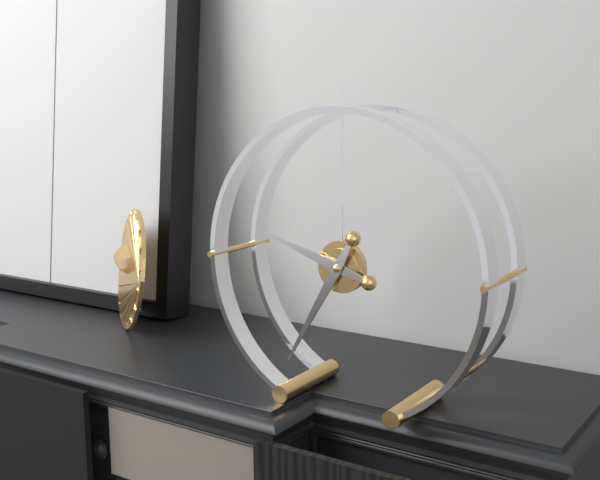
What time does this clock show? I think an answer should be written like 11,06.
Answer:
9,35
